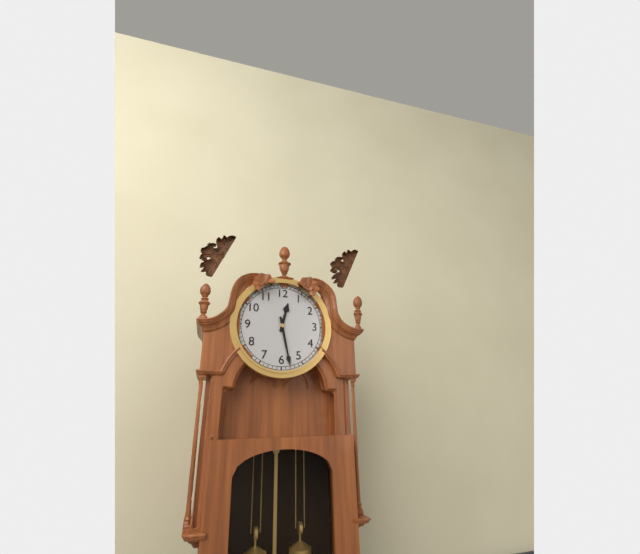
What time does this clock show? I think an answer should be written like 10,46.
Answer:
12,28
